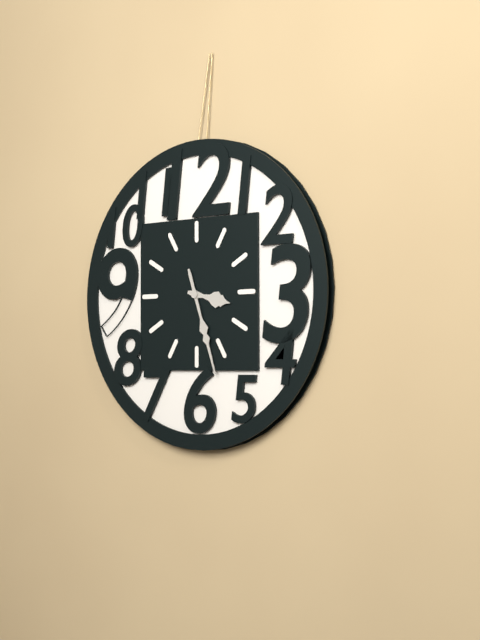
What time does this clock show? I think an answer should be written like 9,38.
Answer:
3,27
